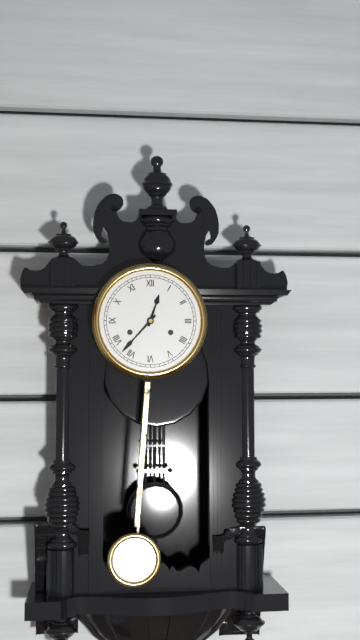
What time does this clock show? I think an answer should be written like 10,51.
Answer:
12,37
